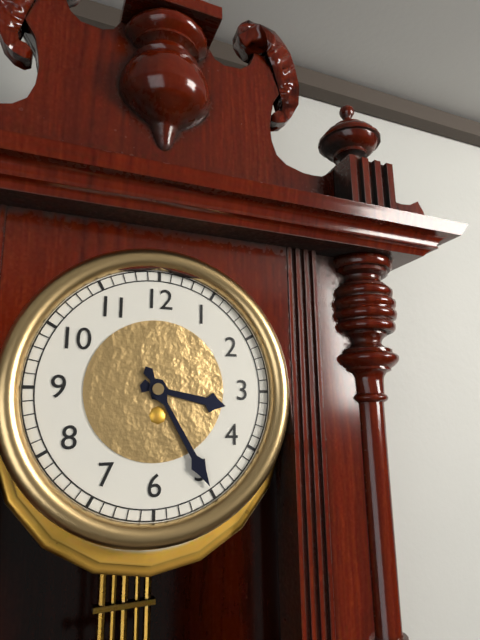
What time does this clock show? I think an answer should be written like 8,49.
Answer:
3,25
